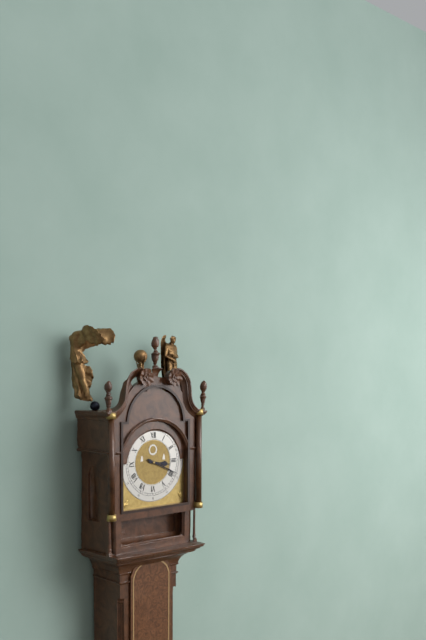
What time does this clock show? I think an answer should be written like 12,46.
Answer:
3,19
